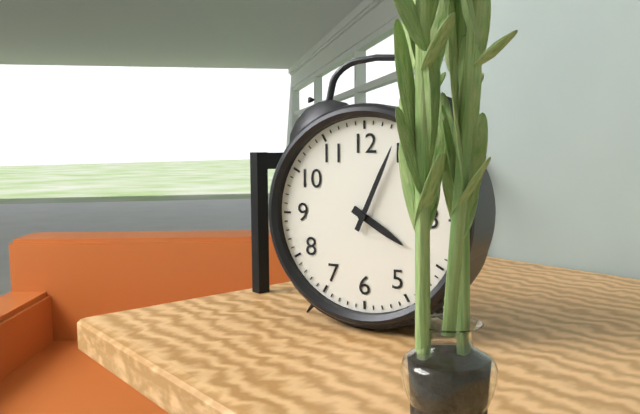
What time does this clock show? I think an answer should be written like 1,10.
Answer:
4,04
